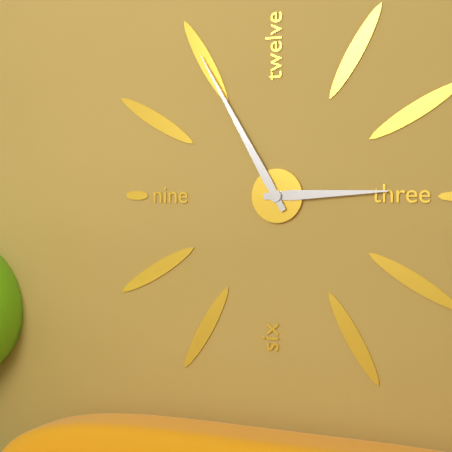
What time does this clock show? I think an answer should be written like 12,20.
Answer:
2,55
